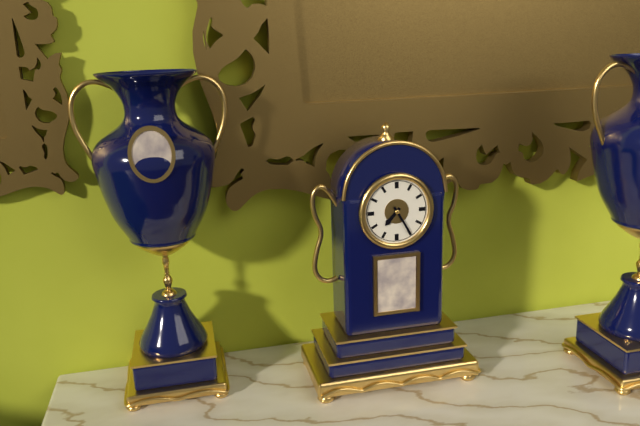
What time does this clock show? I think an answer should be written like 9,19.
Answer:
7,25
